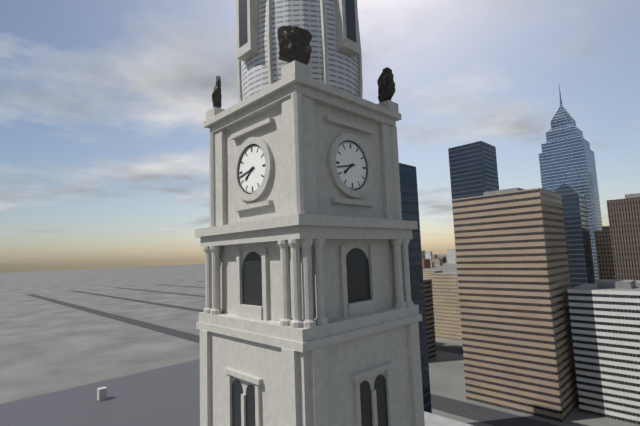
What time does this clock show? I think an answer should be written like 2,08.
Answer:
7,43
